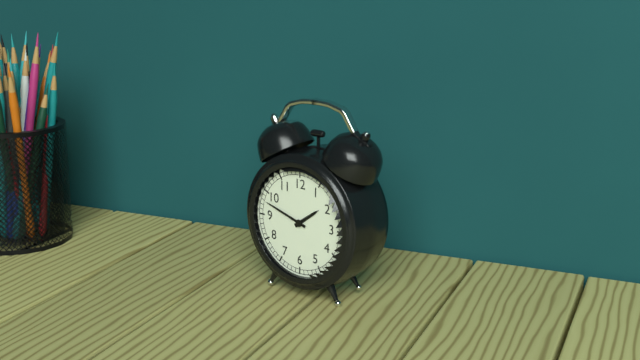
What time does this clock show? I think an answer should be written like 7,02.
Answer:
1,48
